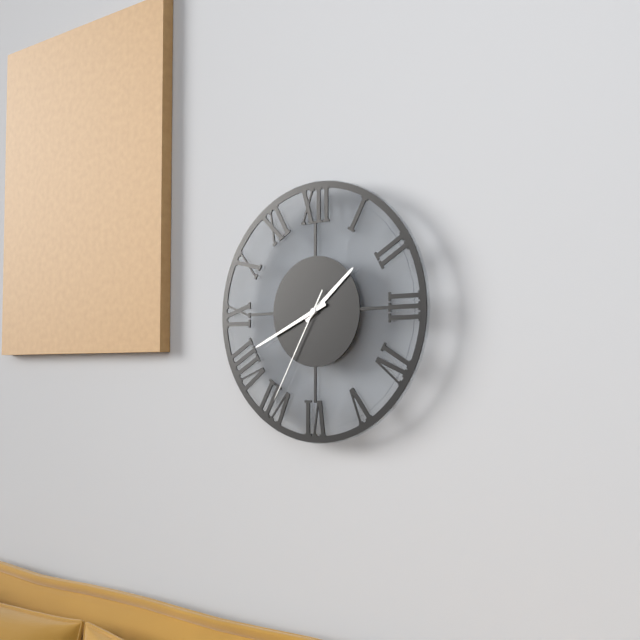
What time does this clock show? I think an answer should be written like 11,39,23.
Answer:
1,41,35
